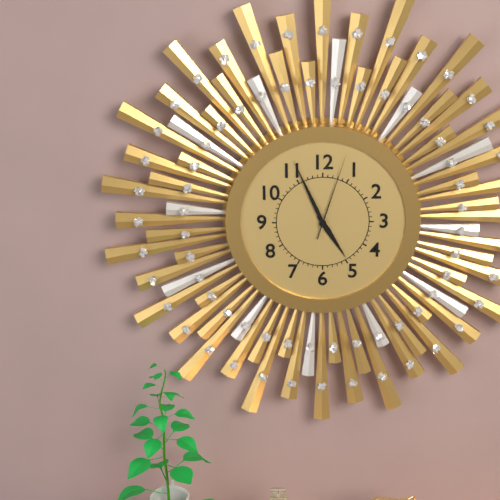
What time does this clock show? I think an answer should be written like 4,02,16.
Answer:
4,56,03
